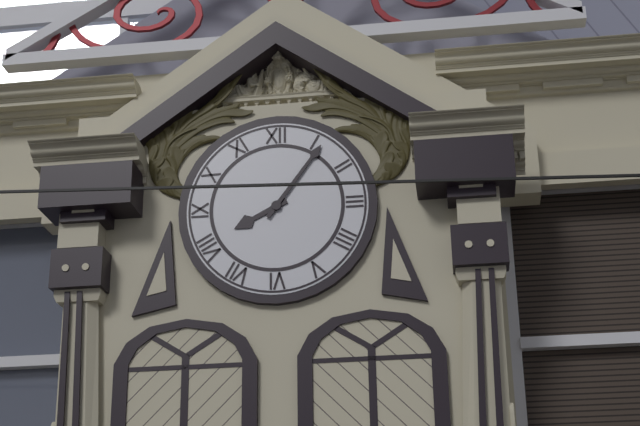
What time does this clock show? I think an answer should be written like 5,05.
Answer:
8,06
